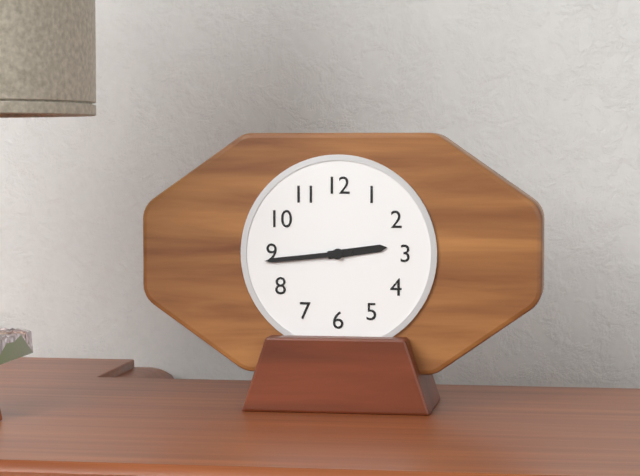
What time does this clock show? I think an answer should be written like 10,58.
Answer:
2,44
